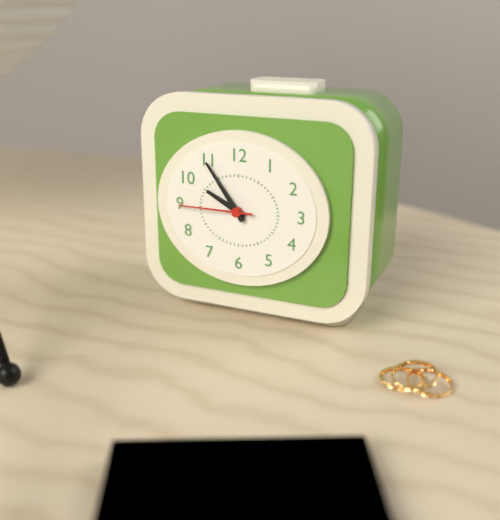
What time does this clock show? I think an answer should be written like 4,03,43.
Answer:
9,54,45
